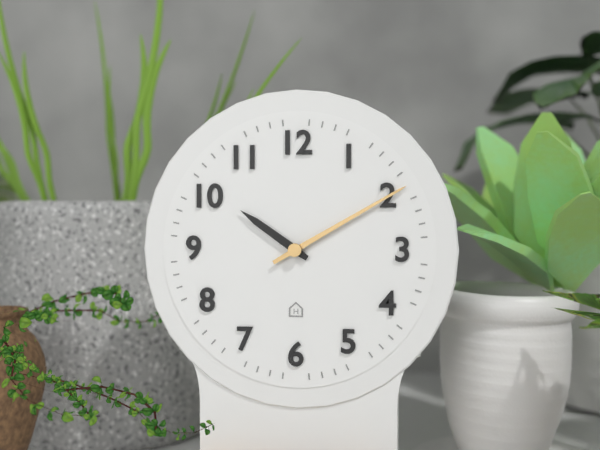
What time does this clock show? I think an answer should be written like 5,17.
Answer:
10,10
